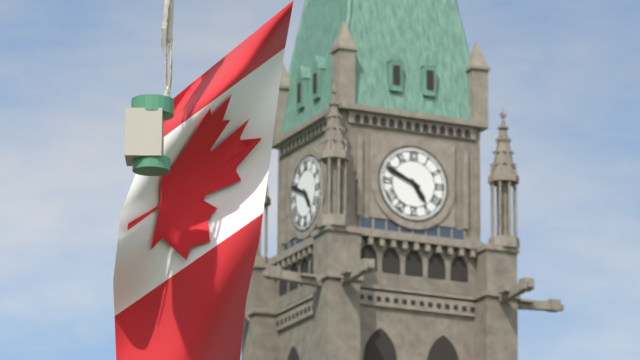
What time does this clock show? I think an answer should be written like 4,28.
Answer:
4,49
